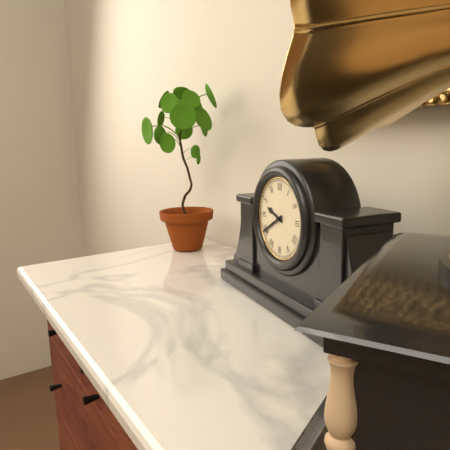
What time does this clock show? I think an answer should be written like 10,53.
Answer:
9,40
